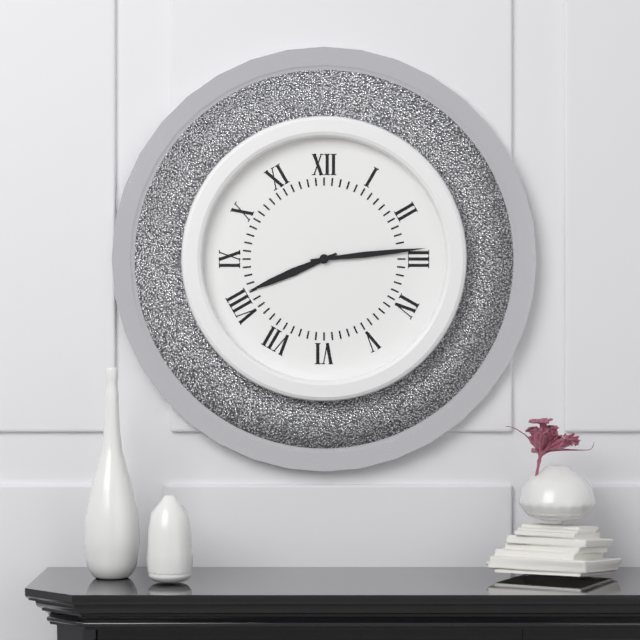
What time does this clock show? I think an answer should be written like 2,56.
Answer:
8,14
